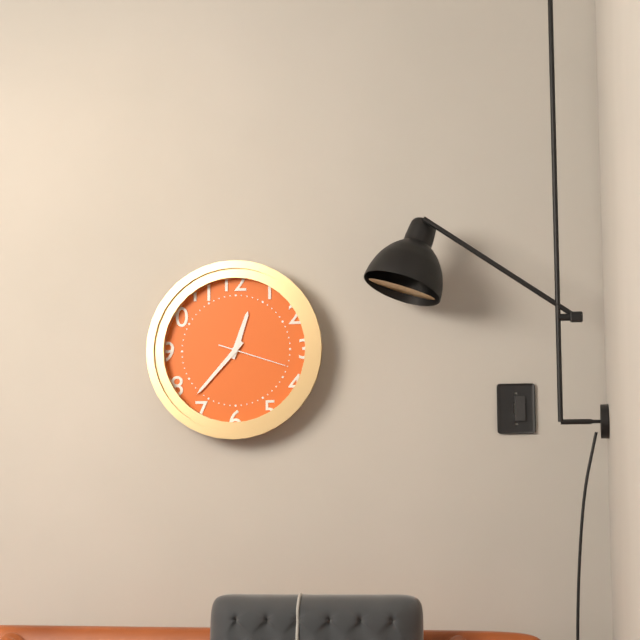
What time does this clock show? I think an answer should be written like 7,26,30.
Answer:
12,37,18
